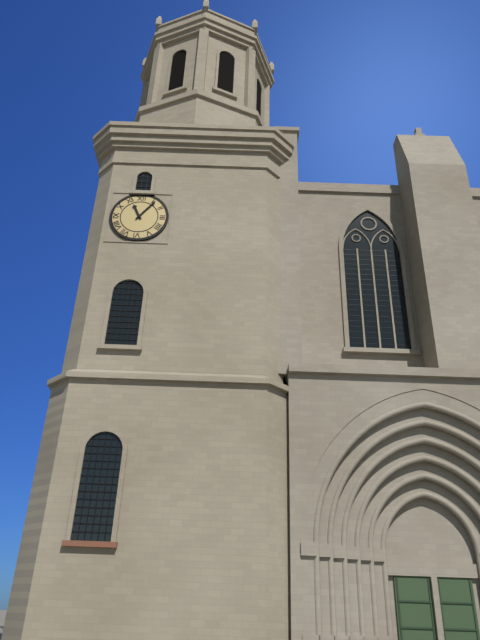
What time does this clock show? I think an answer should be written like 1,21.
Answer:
11,06
